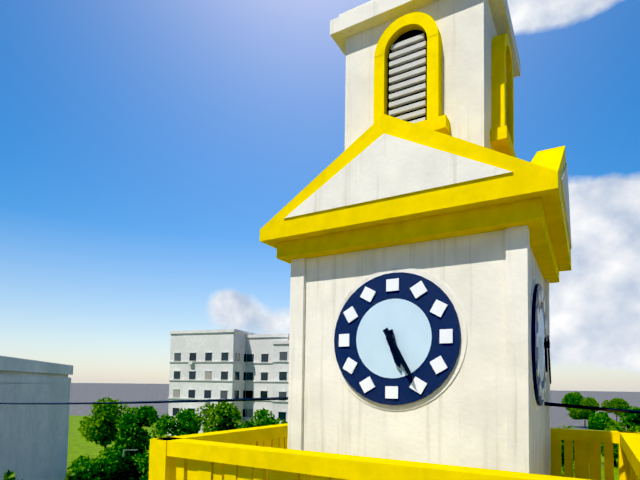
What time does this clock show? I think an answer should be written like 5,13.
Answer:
5,25
